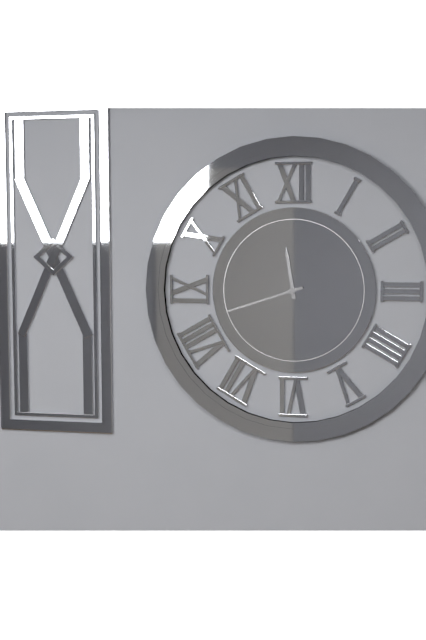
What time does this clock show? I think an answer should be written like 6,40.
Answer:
11,42
